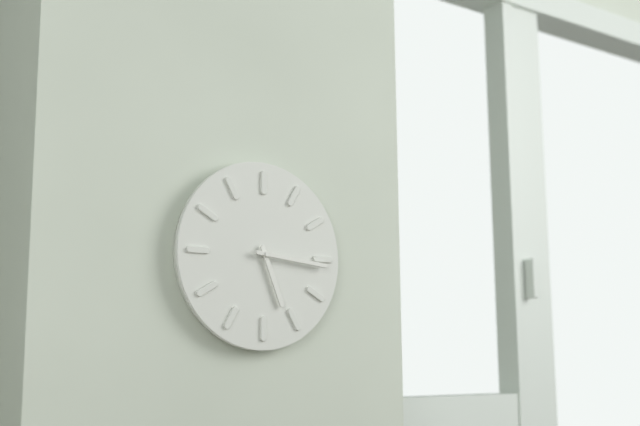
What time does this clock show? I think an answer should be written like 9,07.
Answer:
5,16
